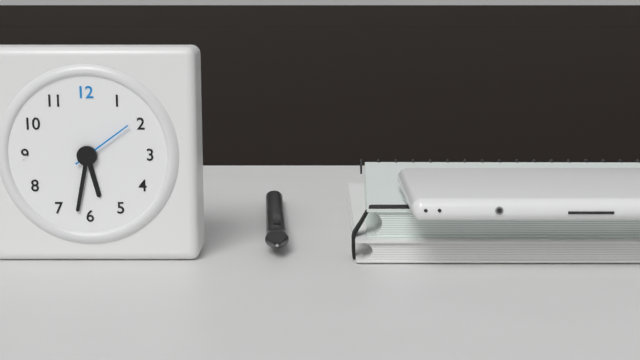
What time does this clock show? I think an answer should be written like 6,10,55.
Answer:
5,32,09
